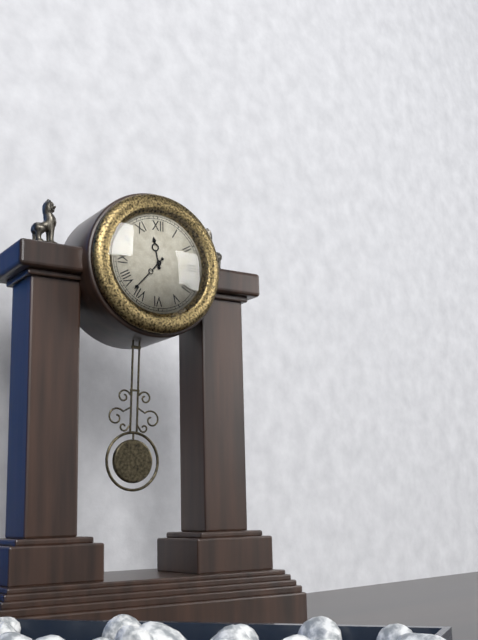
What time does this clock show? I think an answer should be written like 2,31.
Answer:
11,37
